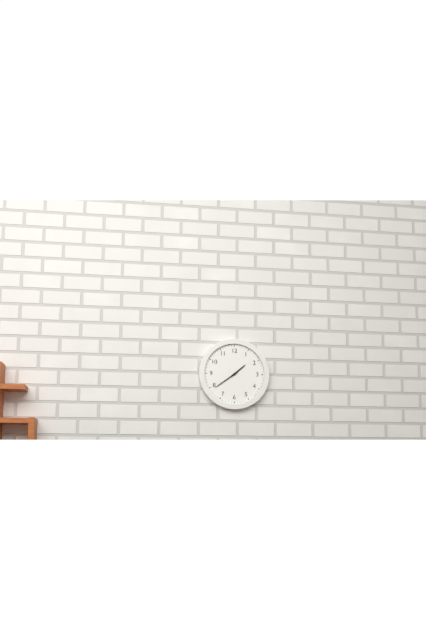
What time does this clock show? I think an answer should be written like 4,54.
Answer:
1,39
